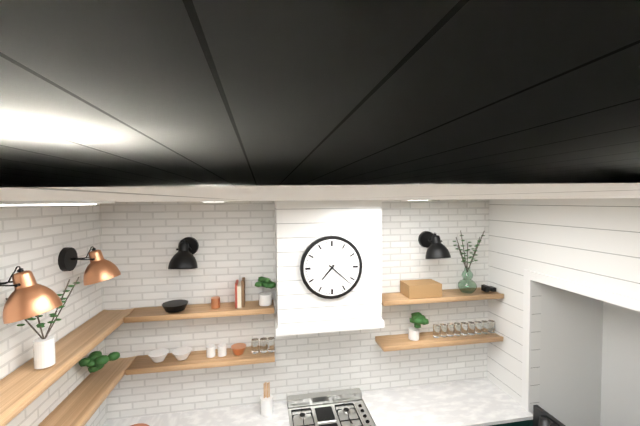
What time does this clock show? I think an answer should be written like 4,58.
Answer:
7,22
